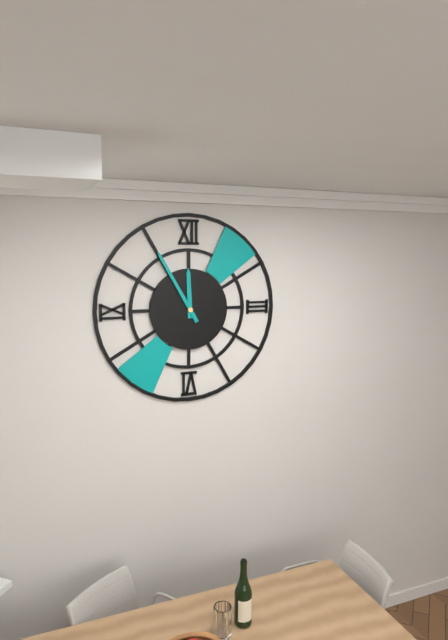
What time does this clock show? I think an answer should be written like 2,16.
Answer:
11,55
